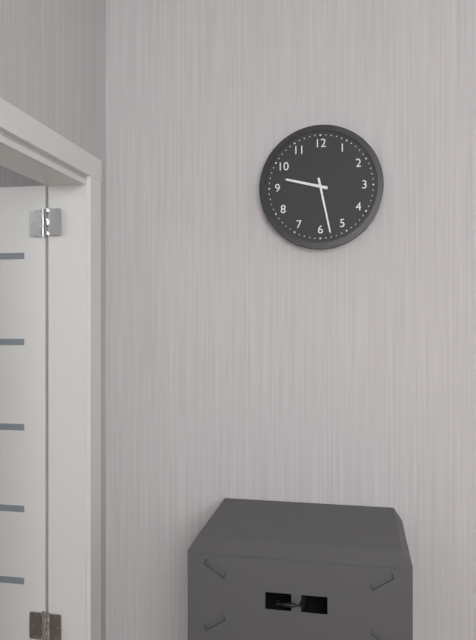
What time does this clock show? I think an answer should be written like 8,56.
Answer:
9,28
